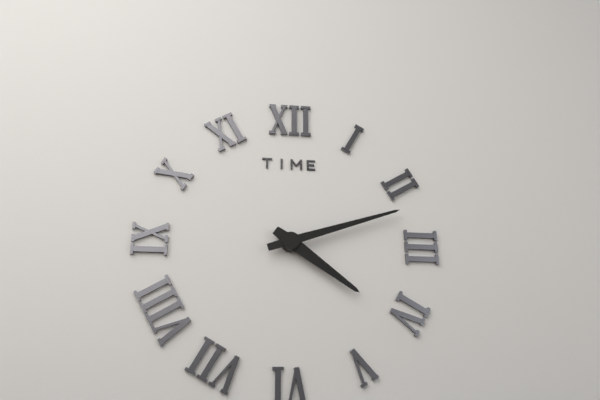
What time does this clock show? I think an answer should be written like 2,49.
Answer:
4,12
